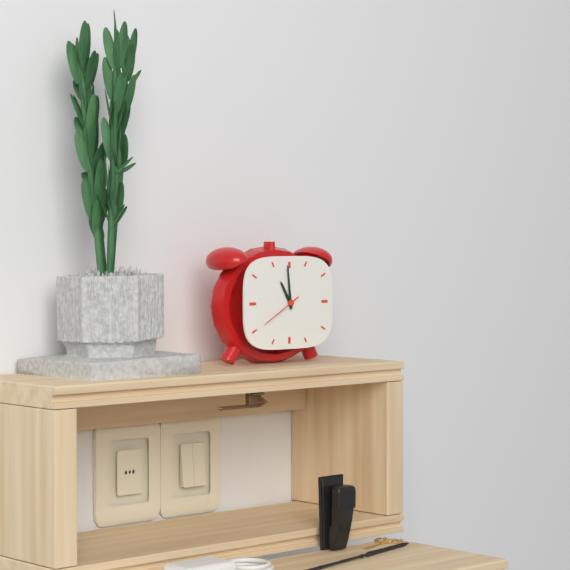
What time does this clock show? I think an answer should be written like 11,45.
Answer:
10,59
